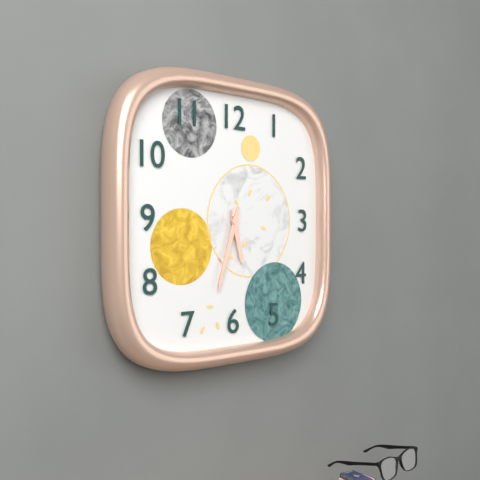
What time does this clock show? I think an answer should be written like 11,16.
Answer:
5,33
